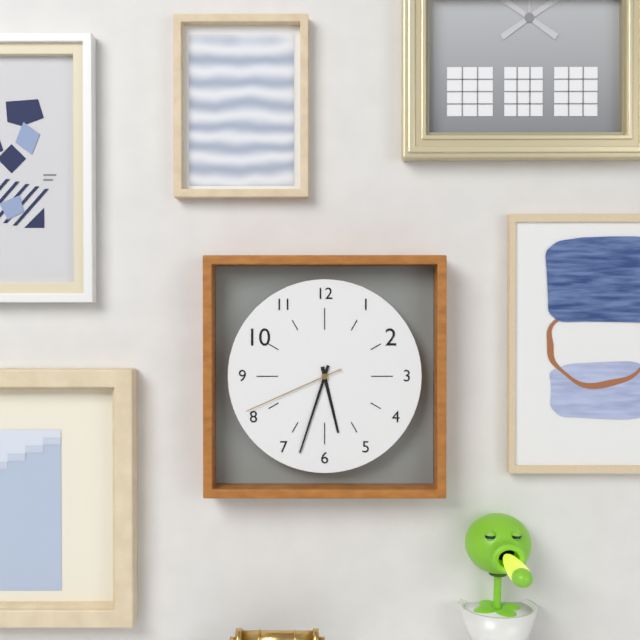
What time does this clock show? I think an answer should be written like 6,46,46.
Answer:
5,33,41
